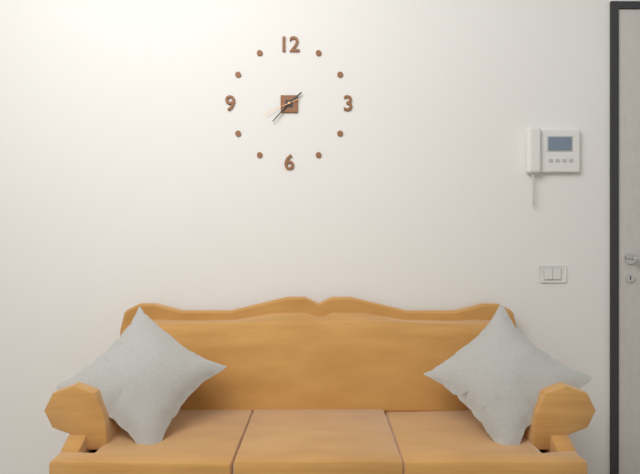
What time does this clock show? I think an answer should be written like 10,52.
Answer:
1,37
